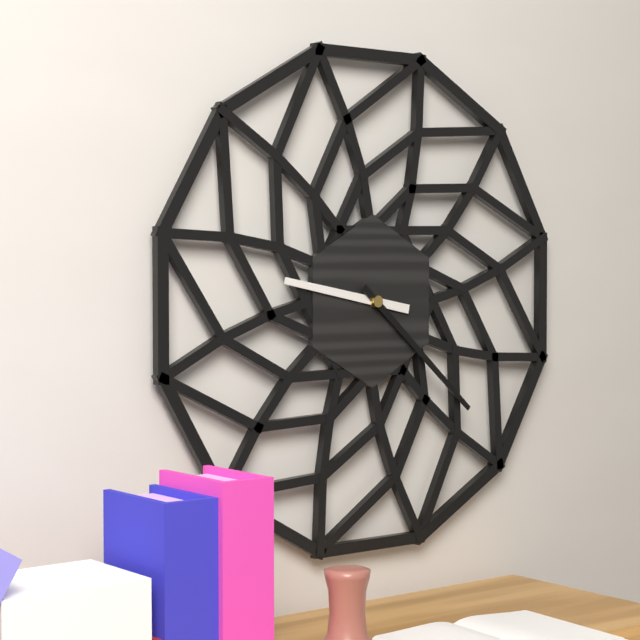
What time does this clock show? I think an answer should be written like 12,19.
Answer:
9,22
